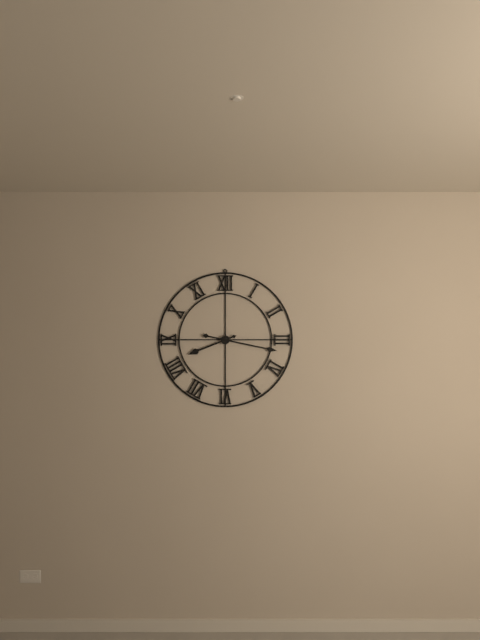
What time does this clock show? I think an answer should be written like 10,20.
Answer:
8,17
